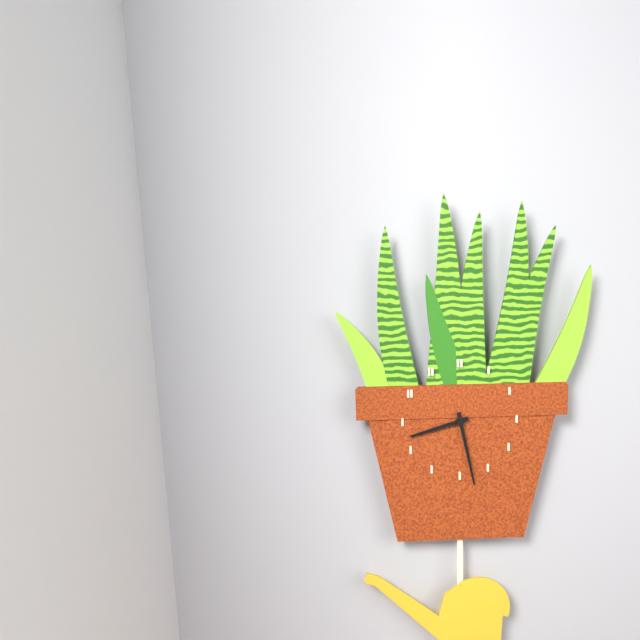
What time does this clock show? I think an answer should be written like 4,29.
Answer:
8,28
